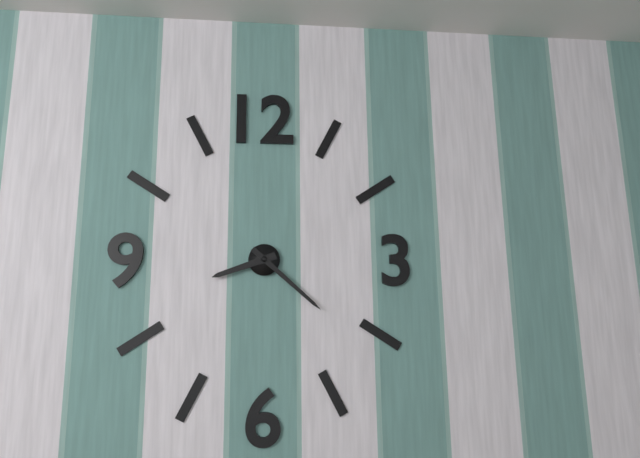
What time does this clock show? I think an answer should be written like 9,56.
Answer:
8,22
